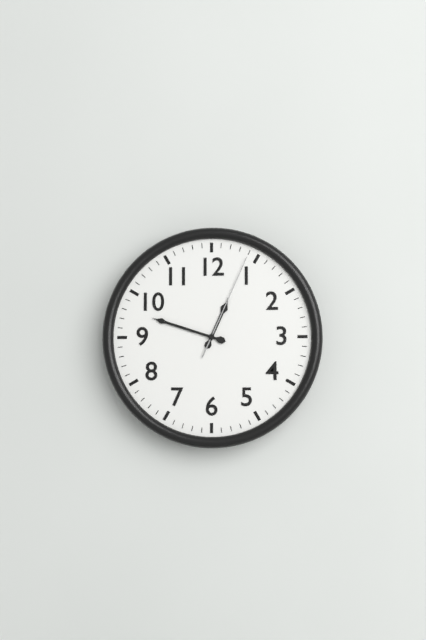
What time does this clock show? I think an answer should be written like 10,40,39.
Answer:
12,48,04
